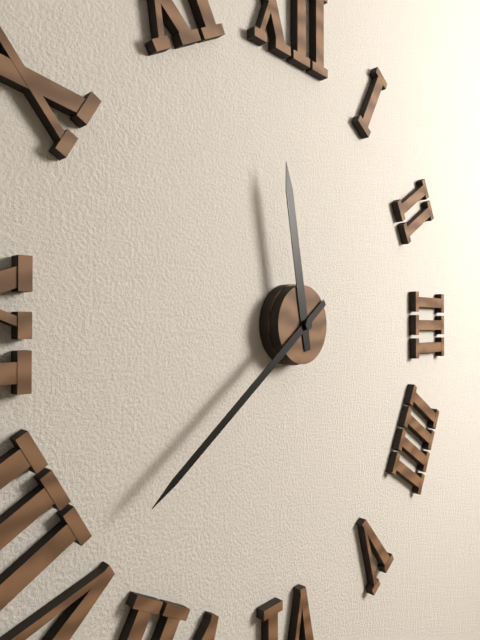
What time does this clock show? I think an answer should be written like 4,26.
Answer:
11,39
